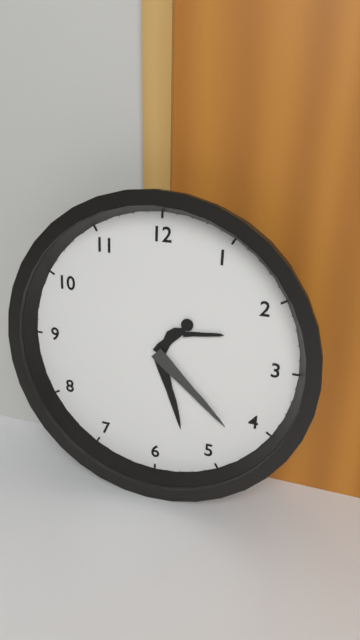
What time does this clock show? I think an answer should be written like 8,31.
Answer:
5,22
